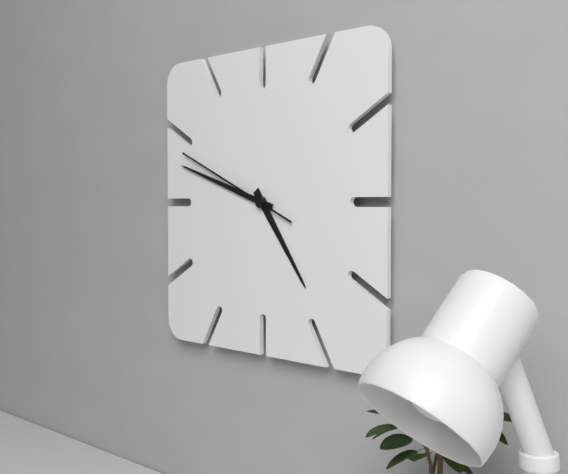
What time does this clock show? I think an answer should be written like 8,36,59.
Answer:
4,48,49
